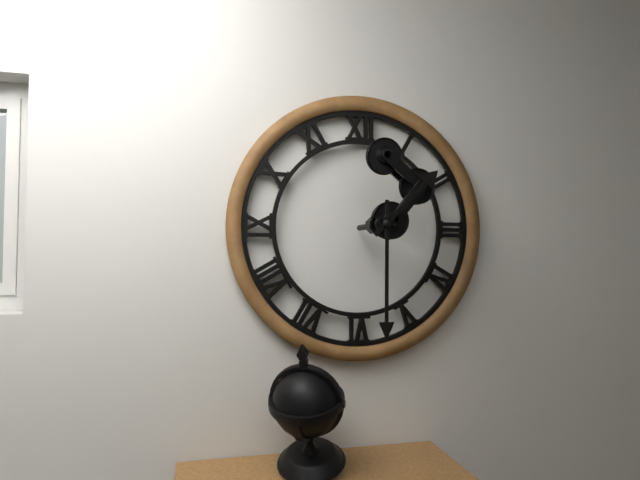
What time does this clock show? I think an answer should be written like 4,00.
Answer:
1,30
